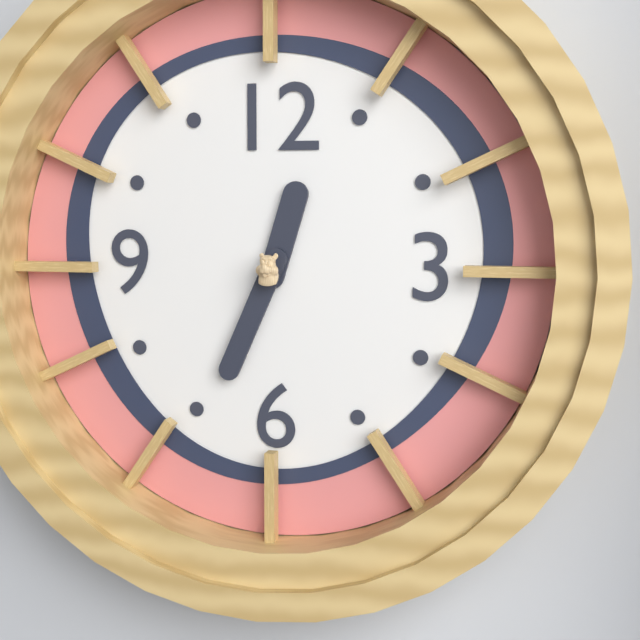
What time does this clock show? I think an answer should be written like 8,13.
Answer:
12,34
